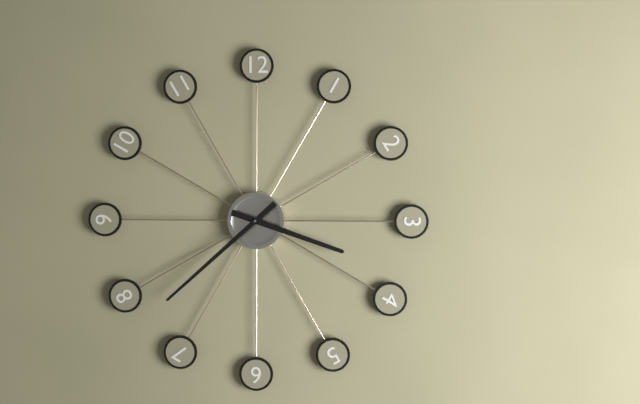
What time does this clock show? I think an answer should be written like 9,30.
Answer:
3,38
